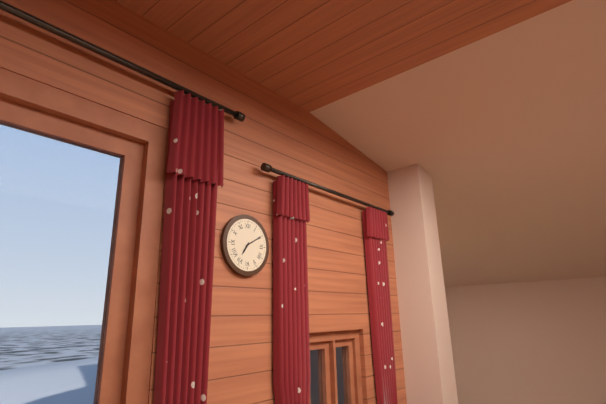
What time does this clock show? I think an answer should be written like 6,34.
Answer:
7,10
